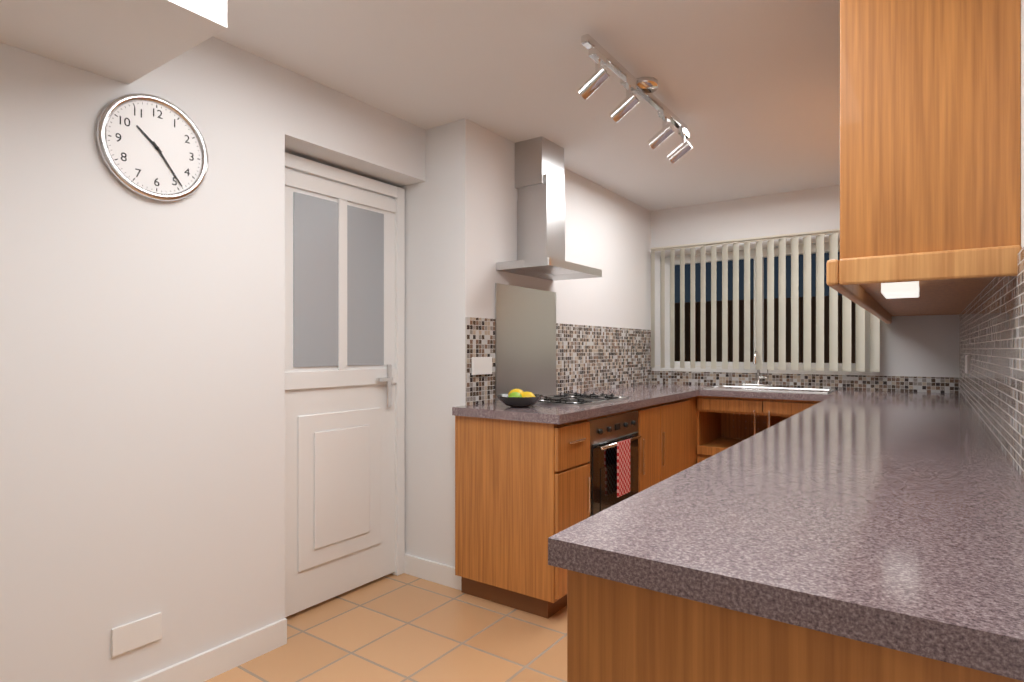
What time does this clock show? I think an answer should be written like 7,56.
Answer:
10,24
